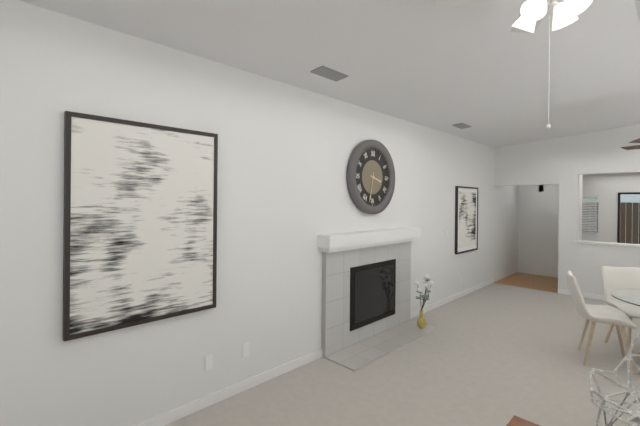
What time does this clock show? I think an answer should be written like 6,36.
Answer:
3,32
